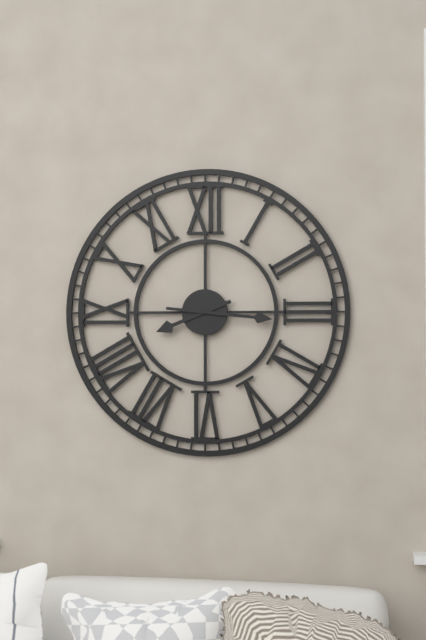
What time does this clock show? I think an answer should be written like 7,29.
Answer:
8,16
